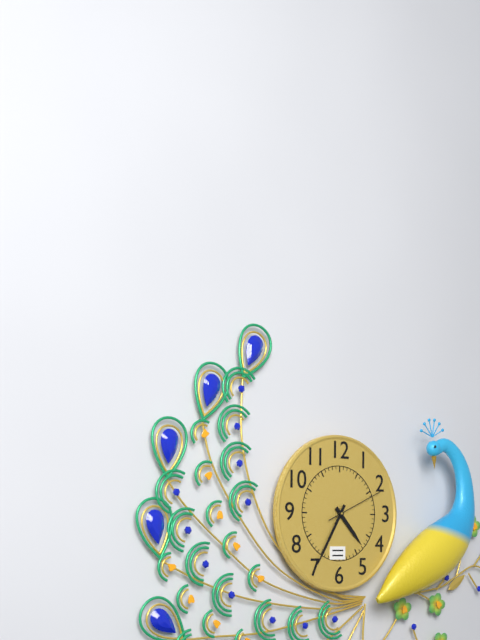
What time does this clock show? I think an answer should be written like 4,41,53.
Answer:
4,35,11
